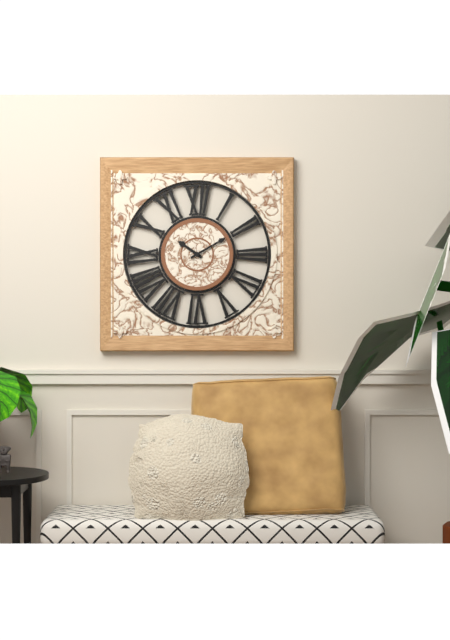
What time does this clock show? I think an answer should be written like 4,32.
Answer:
10,10
